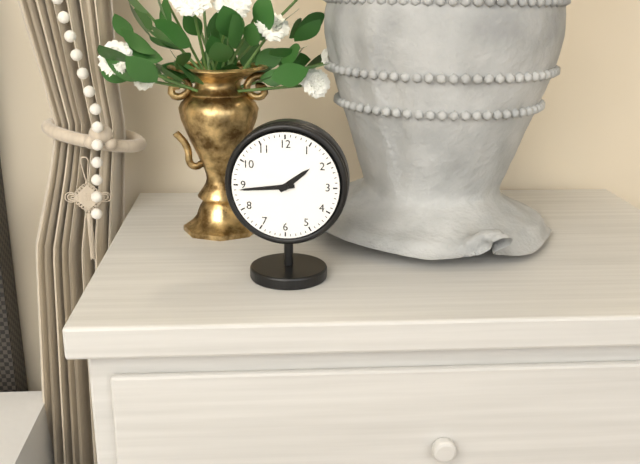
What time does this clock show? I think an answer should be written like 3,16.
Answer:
1,44
